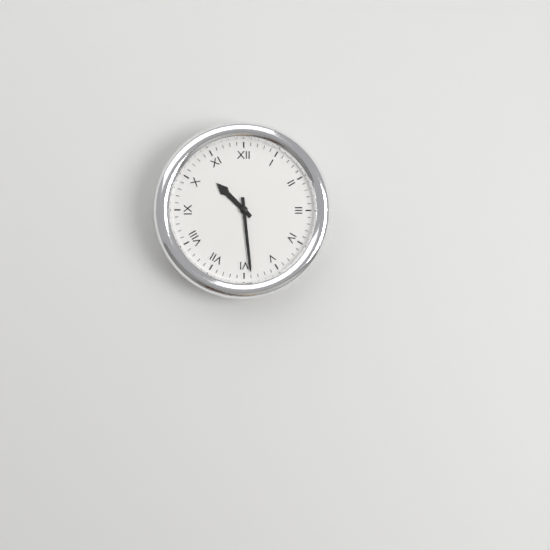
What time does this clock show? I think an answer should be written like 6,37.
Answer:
10,29
